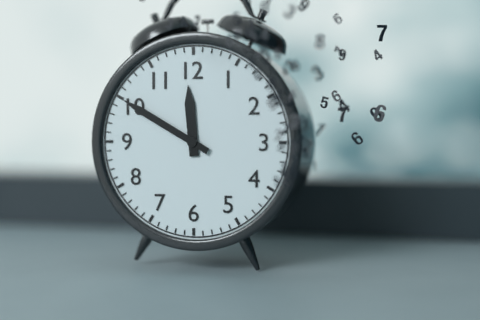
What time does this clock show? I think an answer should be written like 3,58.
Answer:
11,50
